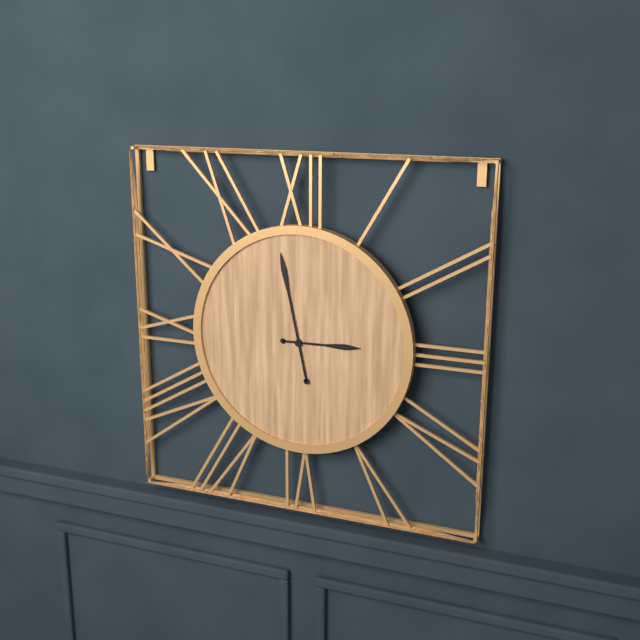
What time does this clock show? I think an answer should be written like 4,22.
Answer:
2,58
